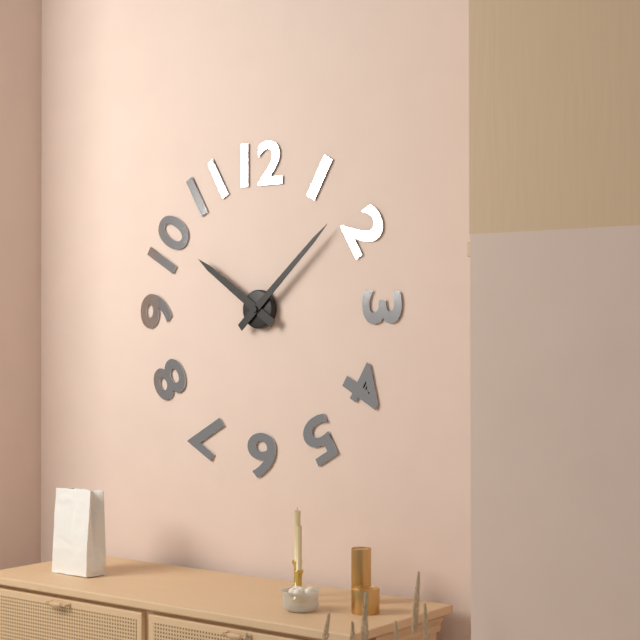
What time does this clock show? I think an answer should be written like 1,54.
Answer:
10,08
